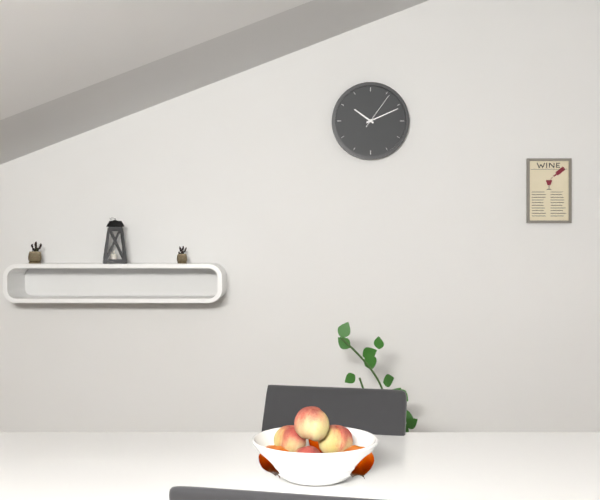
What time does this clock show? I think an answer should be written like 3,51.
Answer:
10,11
